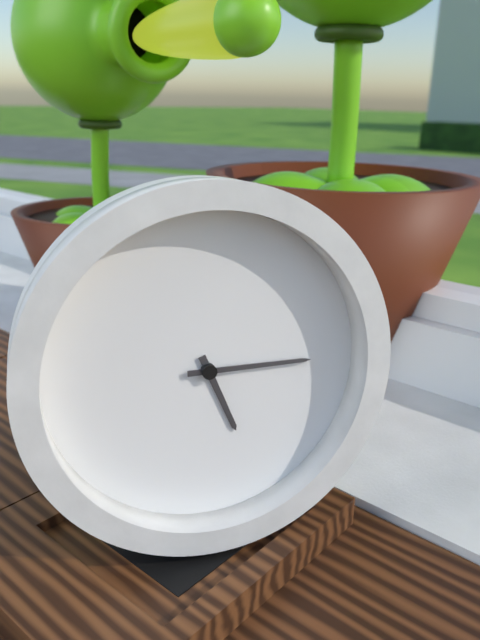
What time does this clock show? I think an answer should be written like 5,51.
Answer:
5,15
